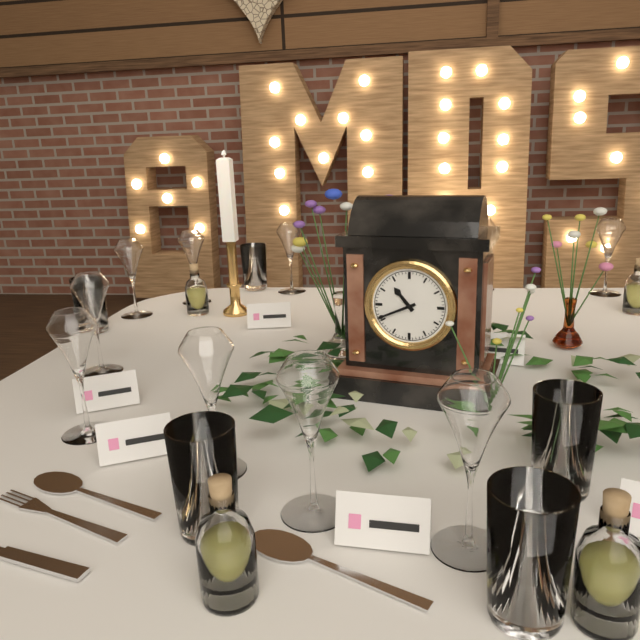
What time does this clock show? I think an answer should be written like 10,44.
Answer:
10,41
